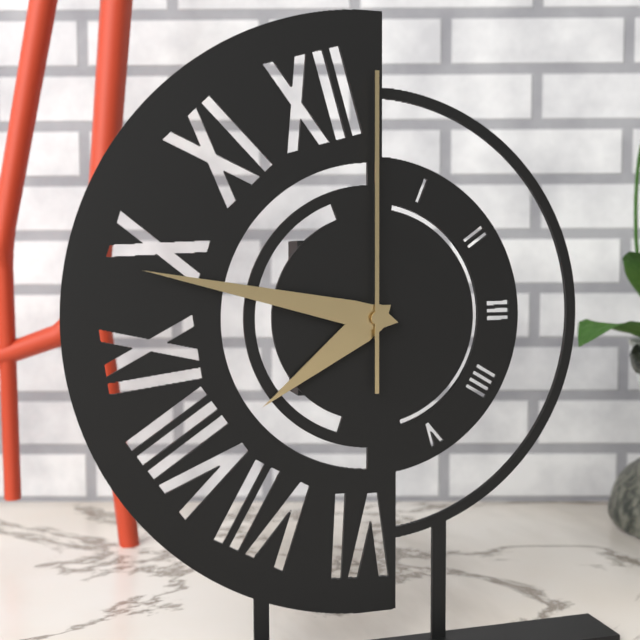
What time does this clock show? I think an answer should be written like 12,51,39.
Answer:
7,47,00
